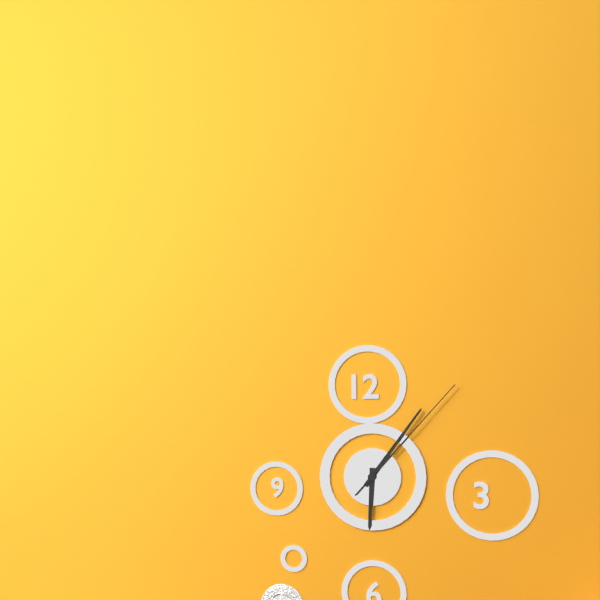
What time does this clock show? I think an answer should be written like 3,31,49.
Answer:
6,06,07
